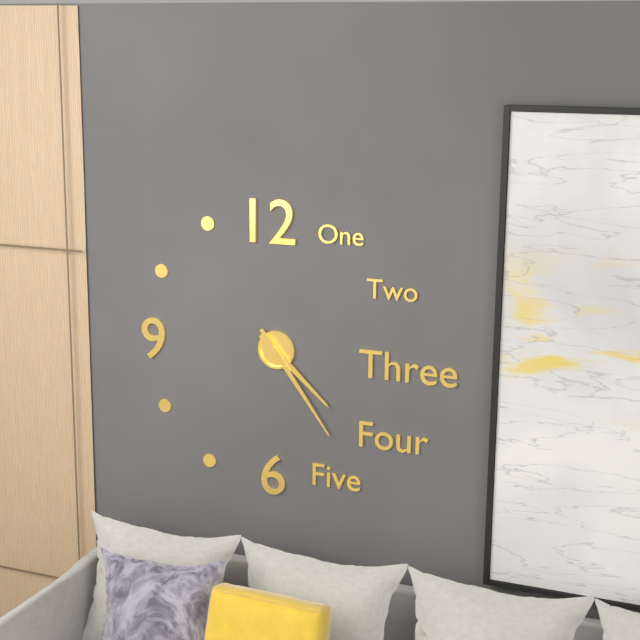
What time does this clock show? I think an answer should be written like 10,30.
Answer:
4,24
